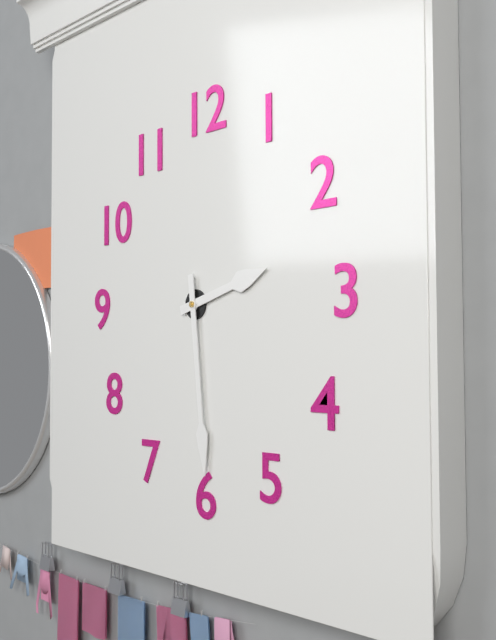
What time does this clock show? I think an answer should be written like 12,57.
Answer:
2,29
